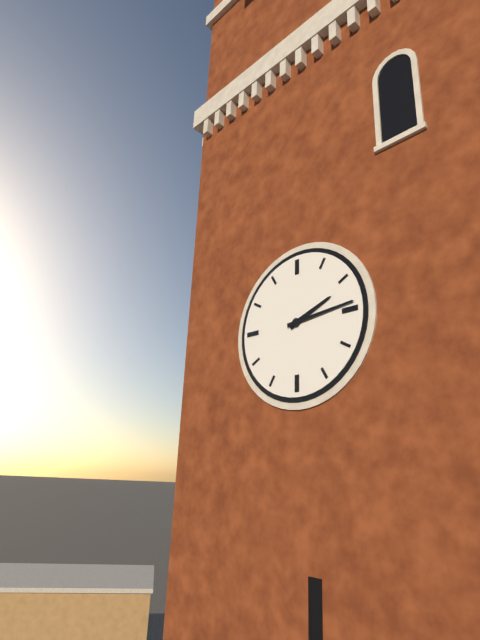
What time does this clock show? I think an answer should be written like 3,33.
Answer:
2,14
